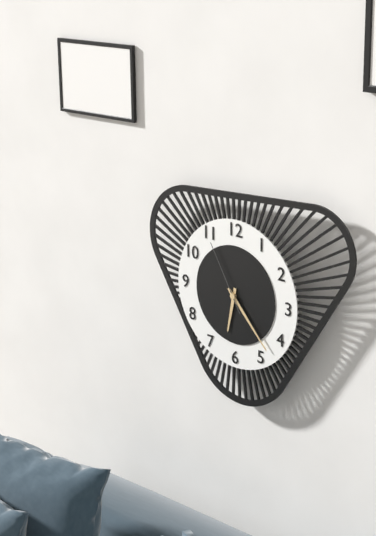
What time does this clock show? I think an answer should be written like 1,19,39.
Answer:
6,23,55
